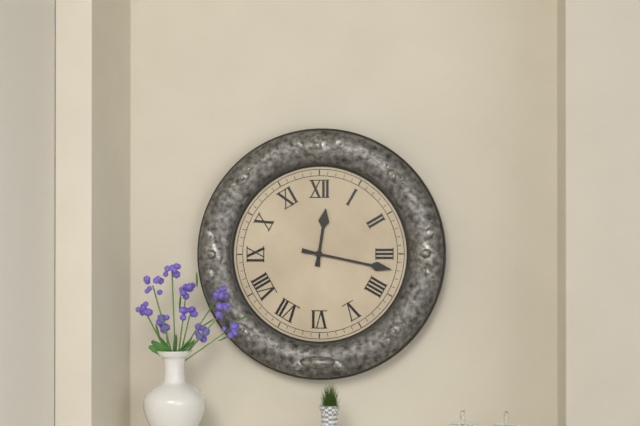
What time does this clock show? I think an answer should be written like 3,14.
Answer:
12,17
